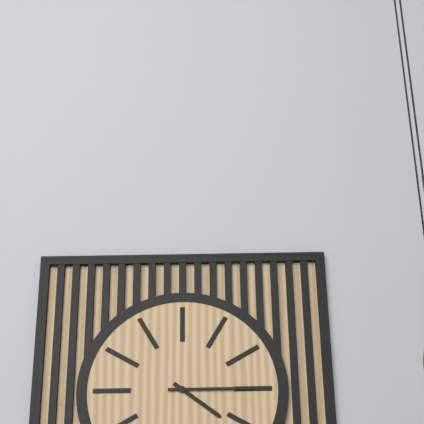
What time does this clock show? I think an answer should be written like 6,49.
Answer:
4,15
